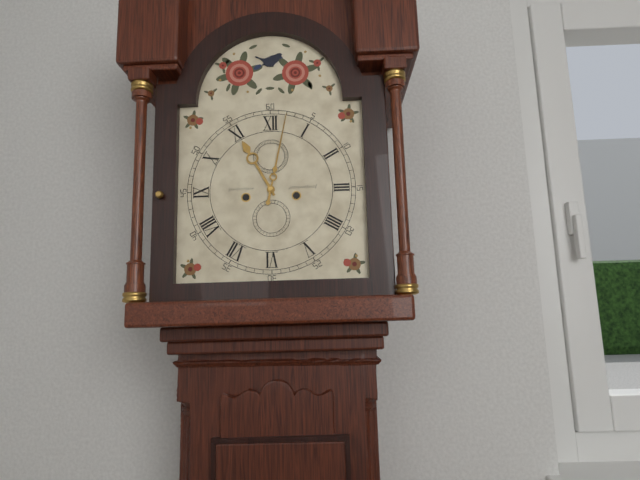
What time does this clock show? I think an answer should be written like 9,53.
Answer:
11,02
